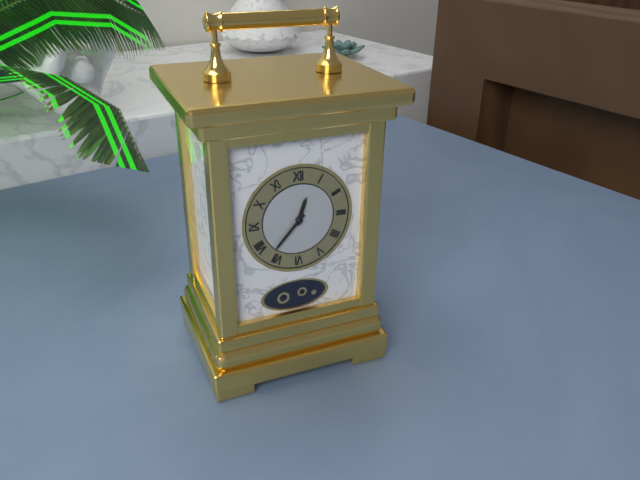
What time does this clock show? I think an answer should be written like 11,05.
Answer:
12,37
